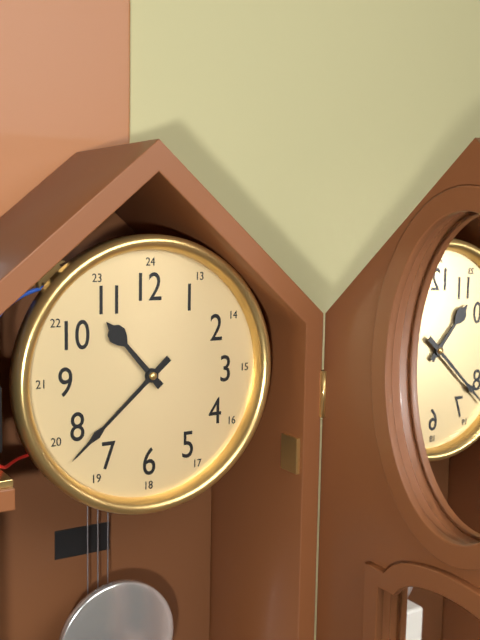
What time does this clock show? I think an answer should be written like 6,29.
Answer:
10,38
